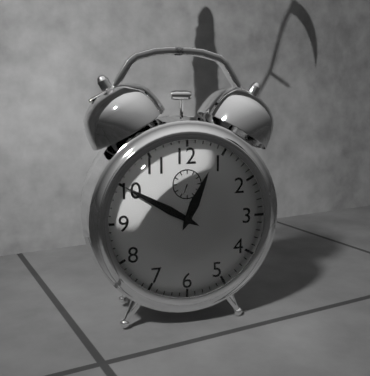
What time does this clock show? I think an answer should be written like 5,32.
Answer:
12,50
